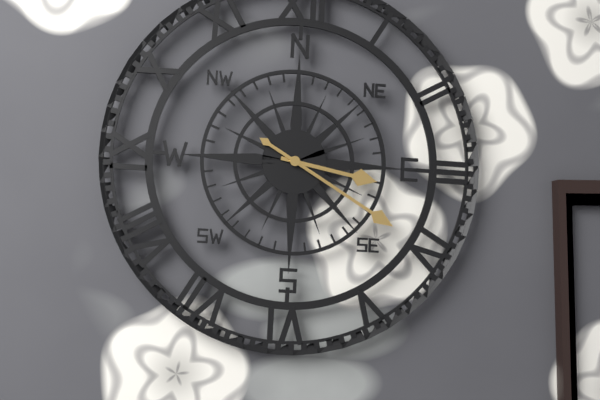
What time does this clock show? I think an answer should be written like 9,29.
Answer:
3,20
